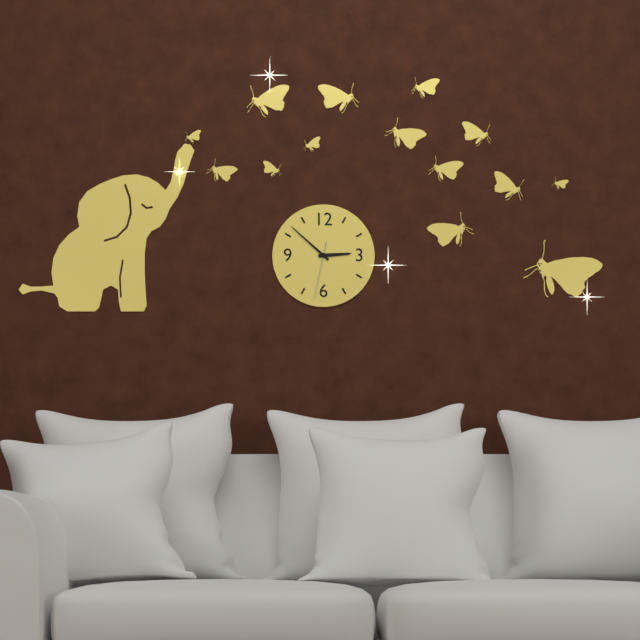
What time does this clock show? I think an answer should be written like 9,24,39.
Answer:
2,52,32
